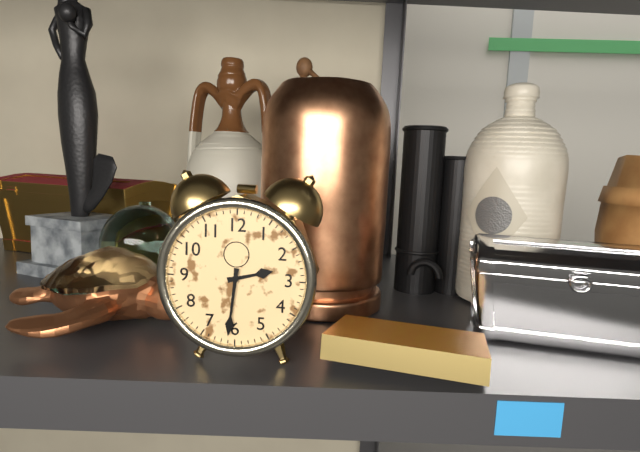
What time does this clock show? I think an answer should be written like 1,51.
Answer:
2,31
